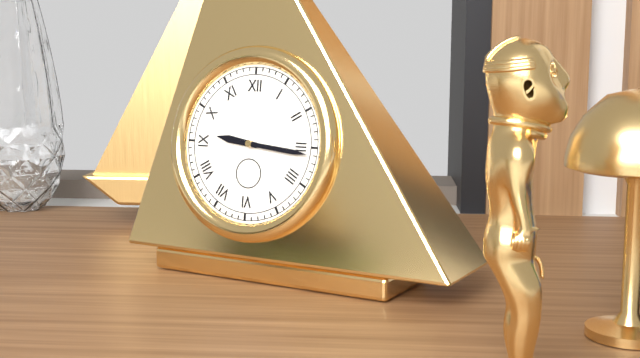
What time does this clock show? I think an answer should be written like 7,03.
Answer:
9,16
